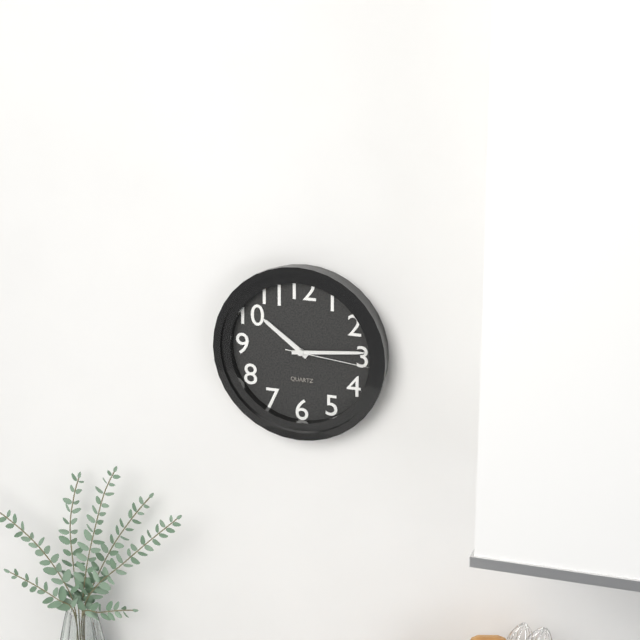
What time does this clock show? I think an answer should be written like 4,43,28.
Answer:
10,14,16
